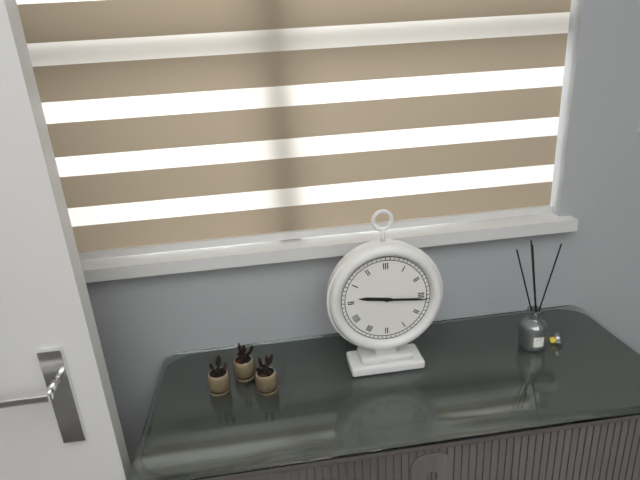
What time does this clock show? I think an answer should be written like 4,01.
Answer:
9,16
